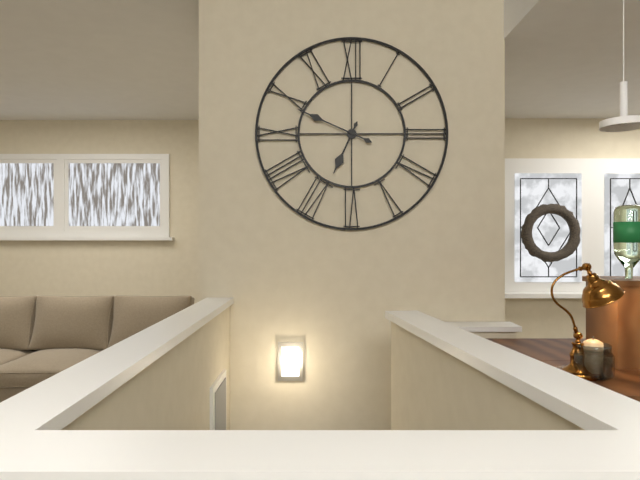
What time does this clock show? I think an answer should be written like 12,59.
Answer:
6,49
